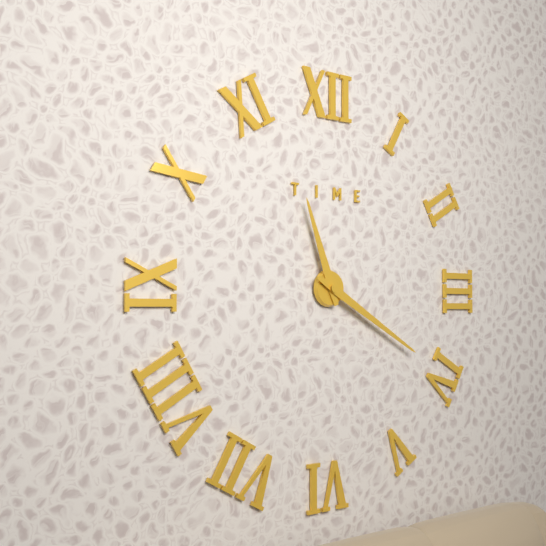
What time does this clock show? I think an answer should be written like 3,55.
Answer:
11,20
